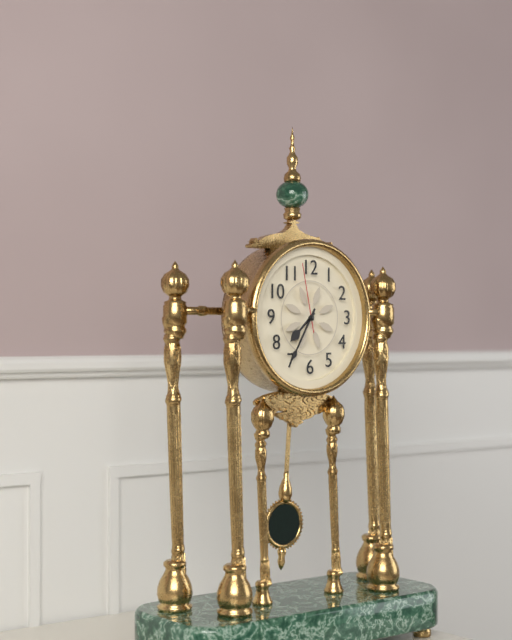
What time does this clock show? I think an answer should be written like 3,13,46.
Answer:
7,35,58
